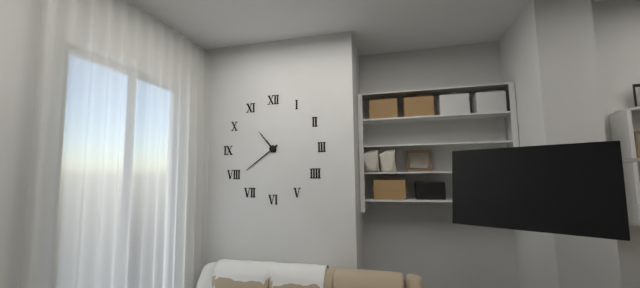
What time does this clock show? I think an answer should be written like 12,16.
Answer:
10,39
